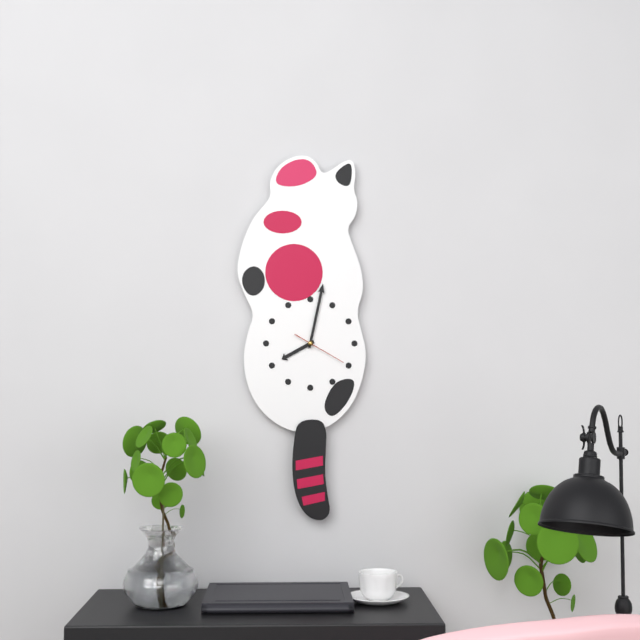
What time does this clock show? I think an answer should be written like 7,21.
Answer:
8,02
